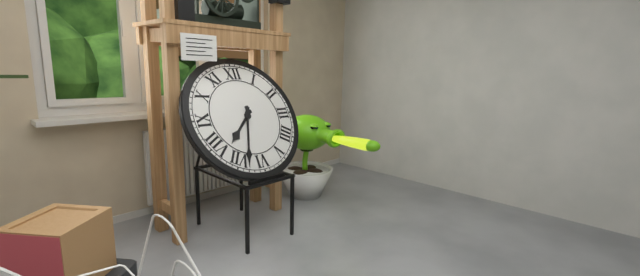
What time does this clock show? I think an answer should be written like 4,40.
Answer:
7,33
